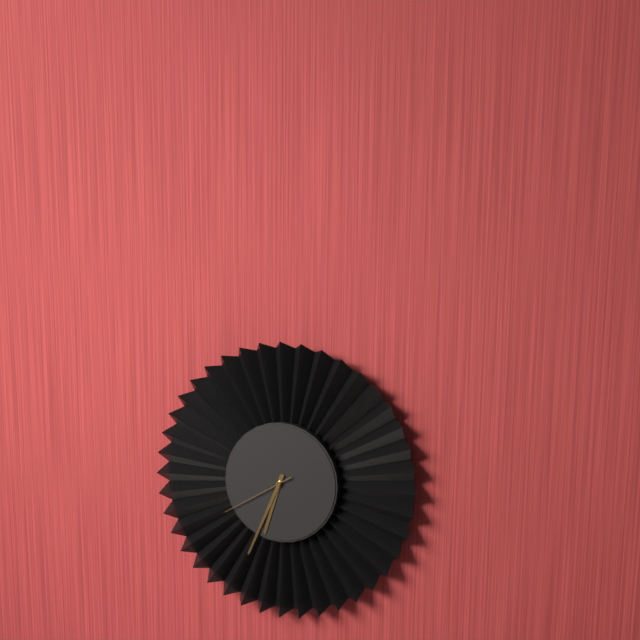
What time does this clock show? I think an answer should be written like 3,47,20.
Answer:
6,34,40
